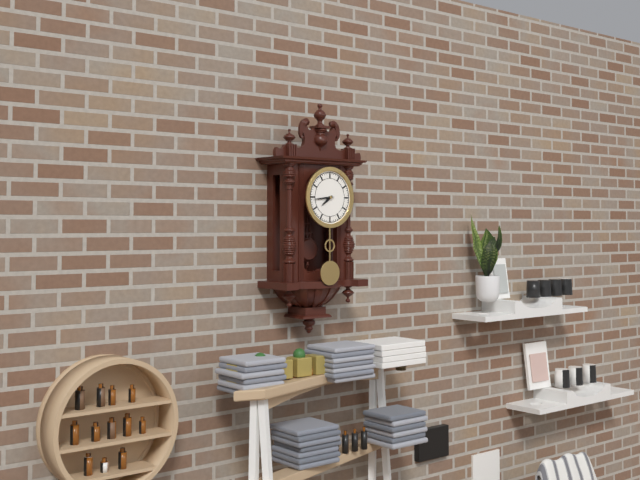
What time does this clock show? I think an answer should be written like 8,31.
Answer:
7,44
